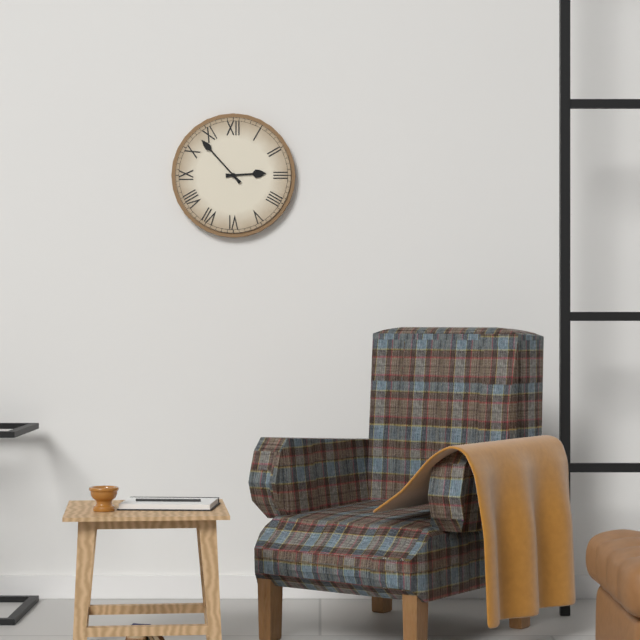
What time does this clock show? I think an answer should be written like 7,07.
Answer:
2,53
